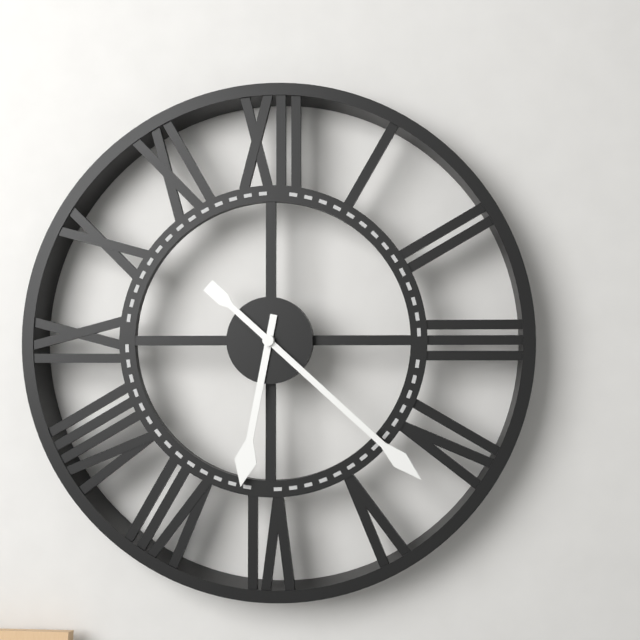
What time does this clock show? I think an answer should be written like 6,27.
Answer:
6,22
